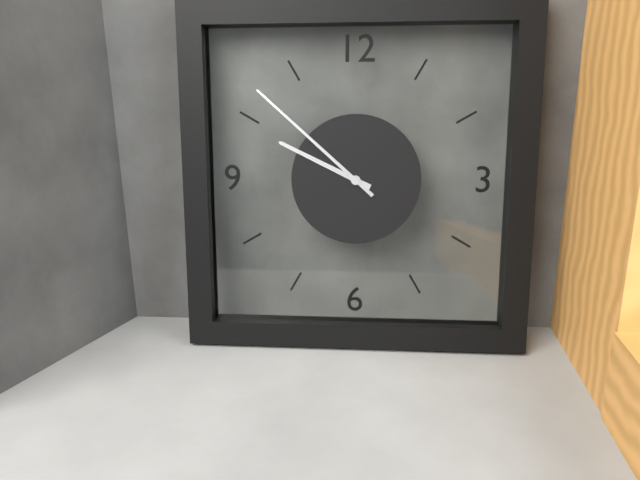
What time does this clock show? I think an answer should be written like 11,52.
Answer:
9,52
